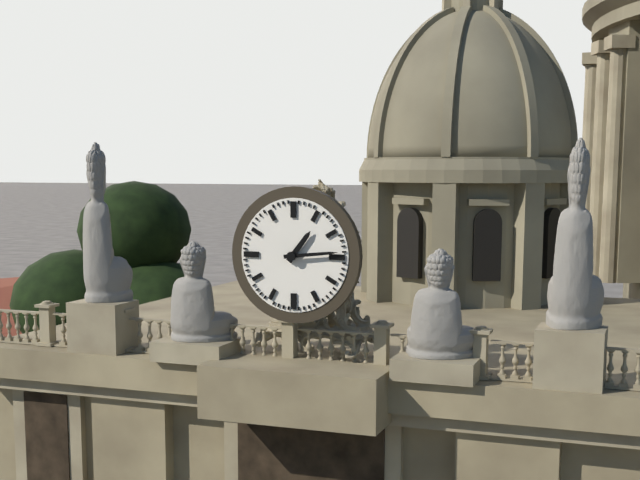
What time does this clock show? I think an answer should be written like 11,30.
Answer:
1,14
